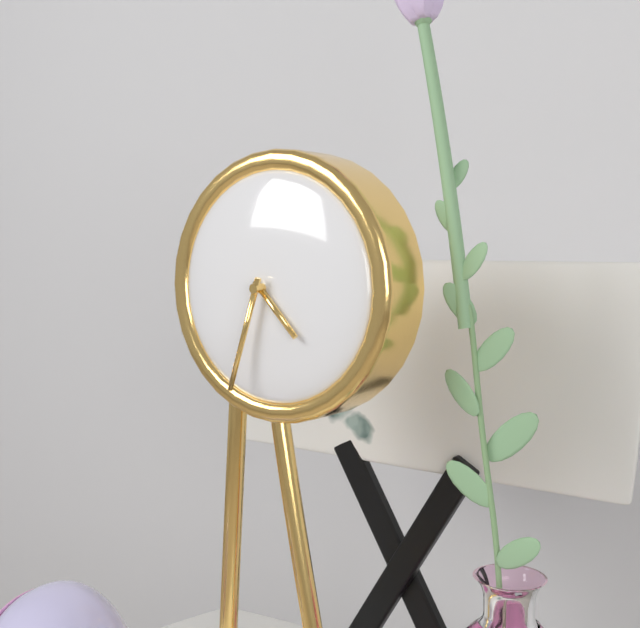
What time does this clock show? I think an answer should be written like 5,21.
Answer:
4,33
